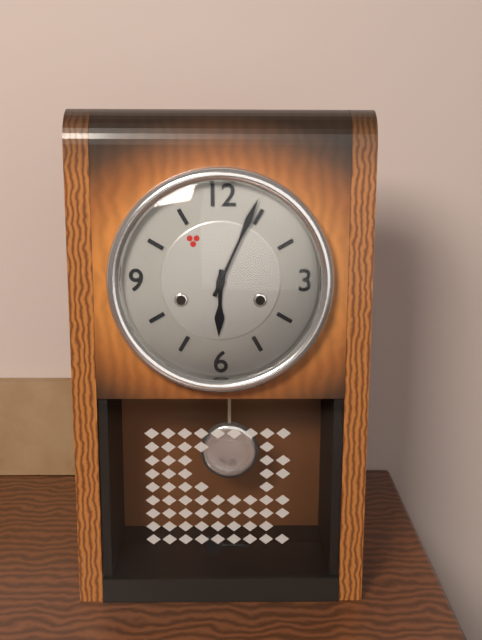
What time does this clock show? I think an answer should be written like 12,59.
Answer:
6,04
